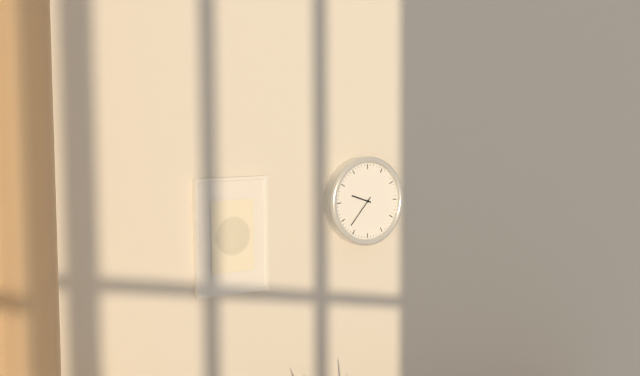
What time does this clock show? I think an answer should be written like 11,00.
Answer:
9,37
